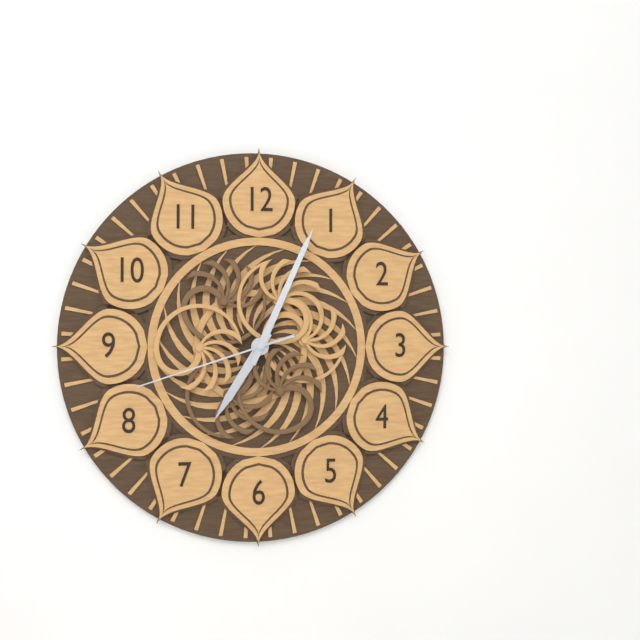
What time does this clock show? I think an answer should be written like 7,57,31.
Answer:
7,04,42
